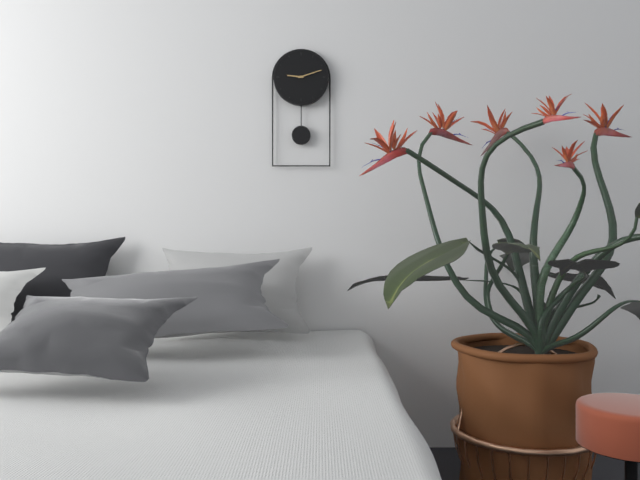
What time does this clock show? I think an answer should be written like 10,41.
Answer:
9,12
